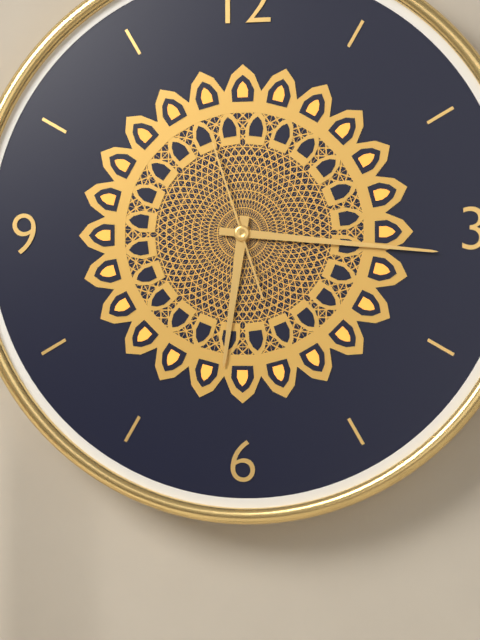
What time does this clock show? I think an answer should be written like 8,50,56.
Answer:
6,16,57
